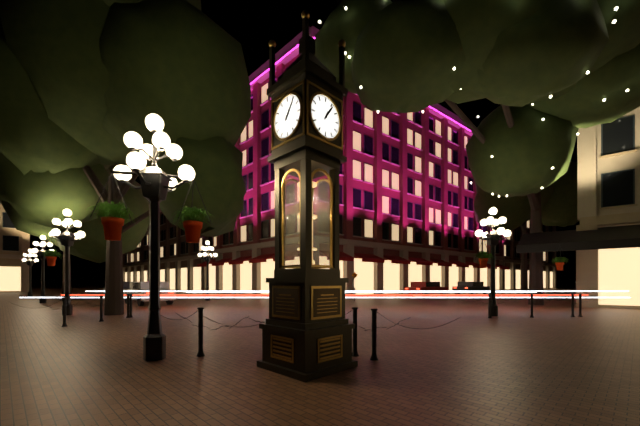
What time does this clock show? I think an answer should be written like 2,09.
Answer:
1,06
